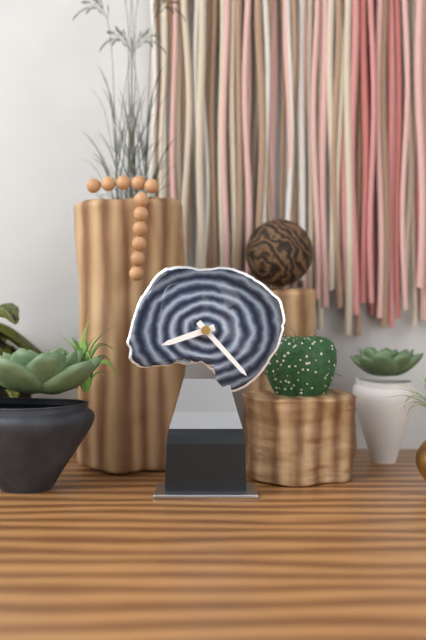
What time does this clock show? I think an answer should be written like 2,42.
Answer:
8,23
